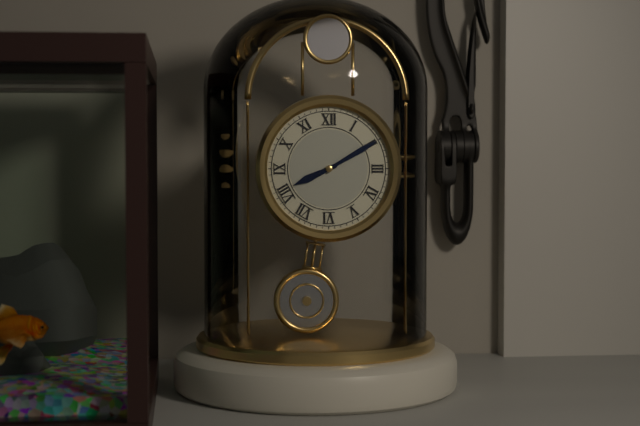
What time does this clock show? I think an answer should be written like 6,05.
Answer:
8,10
